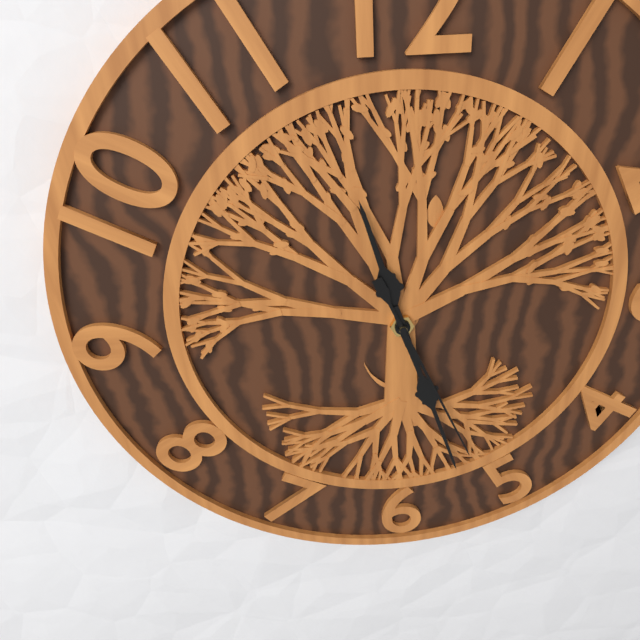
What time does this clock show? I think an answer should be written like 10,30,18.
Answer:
11,27,26
